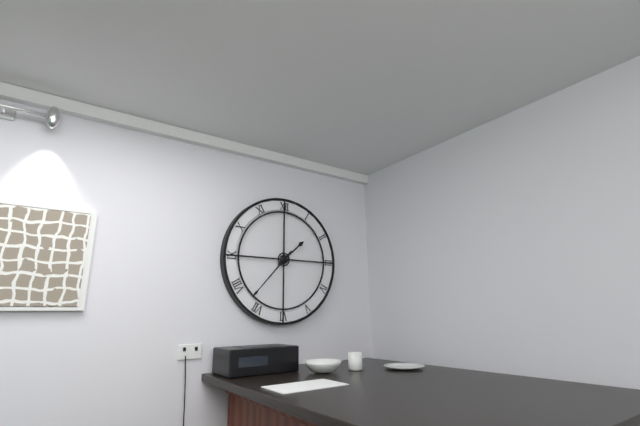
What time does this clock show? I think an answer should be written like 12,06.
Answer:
1,37
